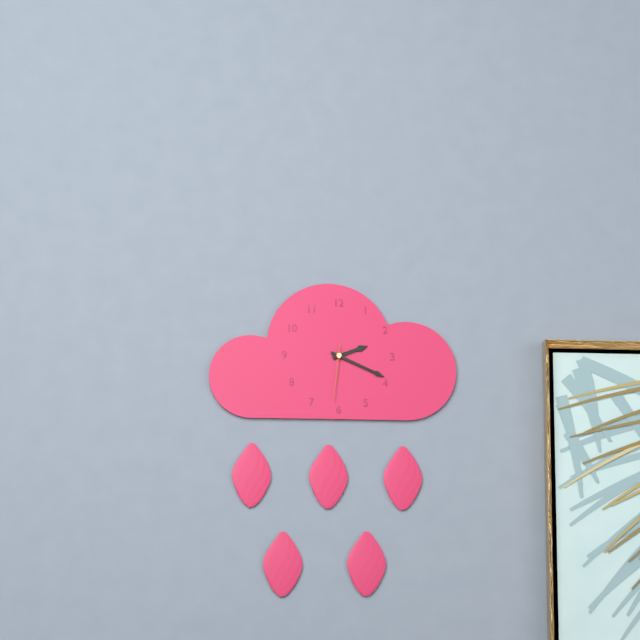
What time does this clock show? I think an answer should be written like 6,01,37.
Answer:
2,19,31
